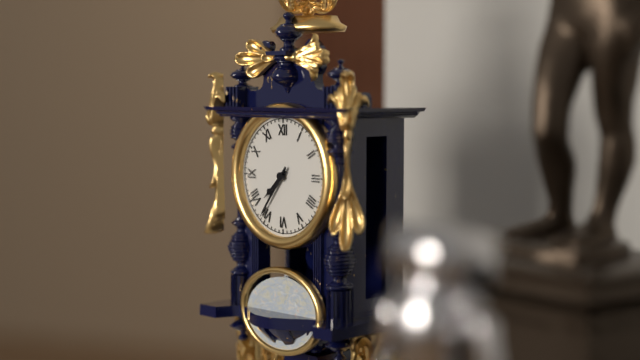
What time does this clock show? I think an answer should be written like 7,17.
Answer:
7,36
